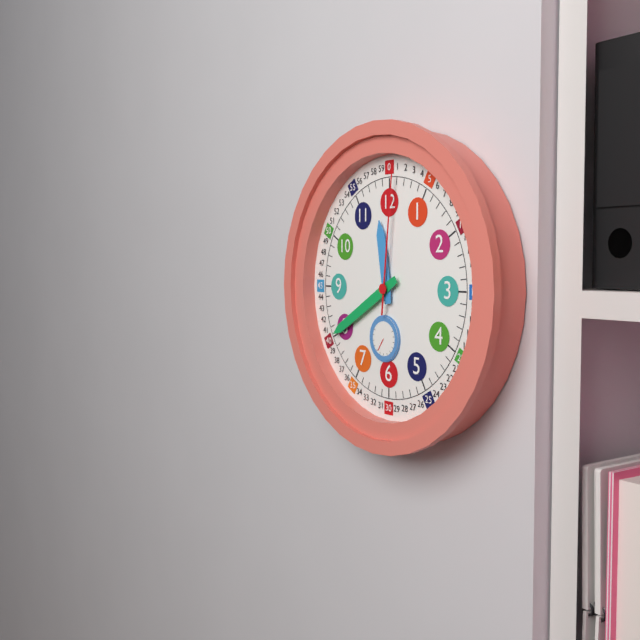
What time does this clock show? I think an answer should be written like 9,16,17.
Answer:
11,40,01
